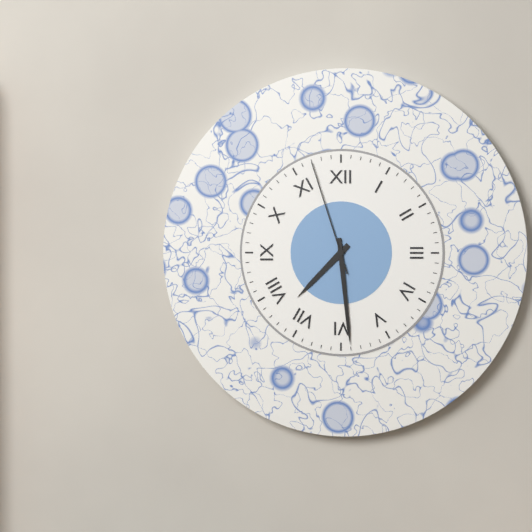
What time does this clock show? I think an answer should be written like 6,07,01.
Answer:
7,29,57
